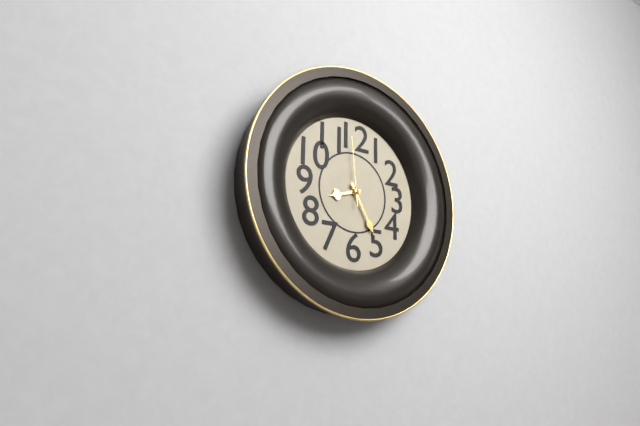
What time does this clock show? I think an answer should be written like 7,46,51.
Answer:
8,25,59
